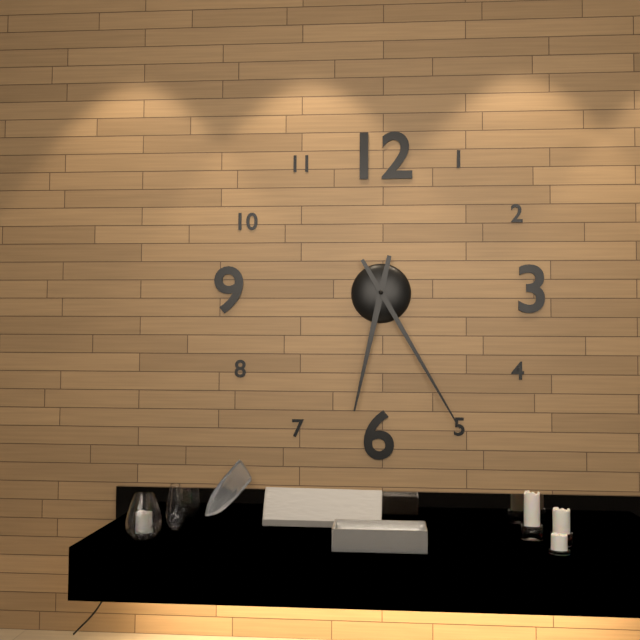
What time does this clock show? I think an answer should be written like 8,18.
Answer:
6,25
